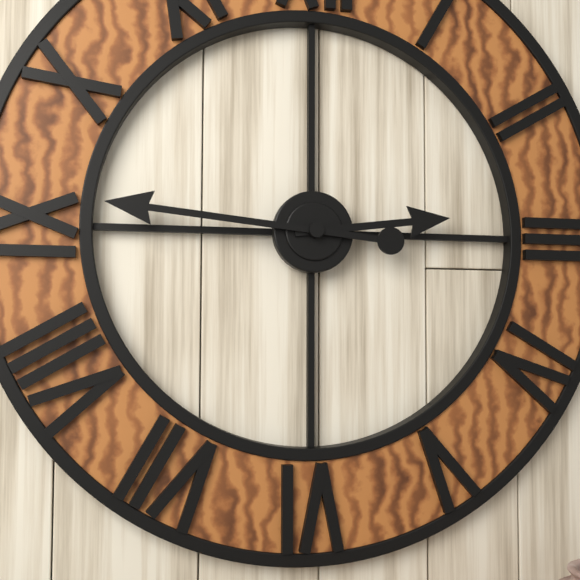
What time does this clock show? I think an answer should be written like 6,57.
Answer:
2,46
